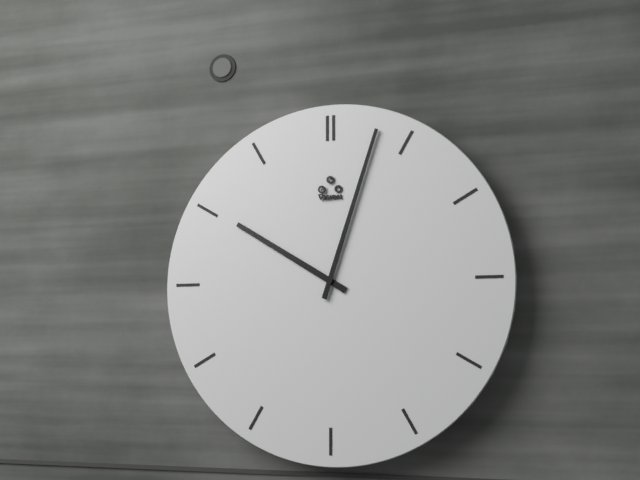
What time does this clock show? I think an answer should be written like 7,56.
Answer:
10,03
